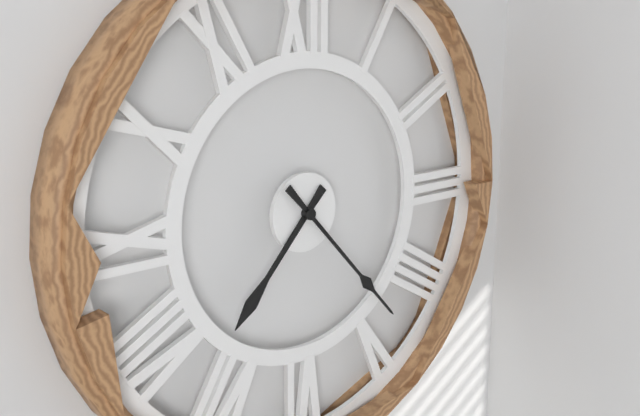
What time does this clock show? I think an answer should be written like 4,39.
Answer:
7,23
